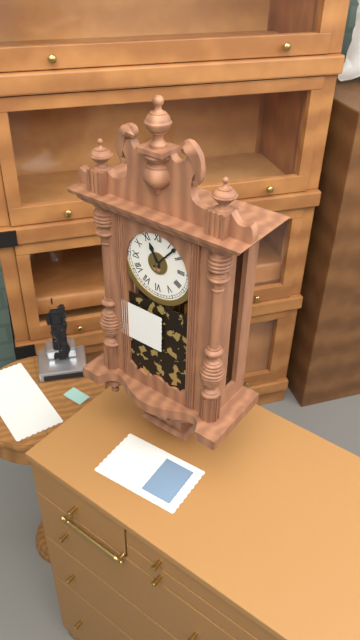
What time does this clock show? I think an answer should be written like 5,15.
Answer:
11,07
